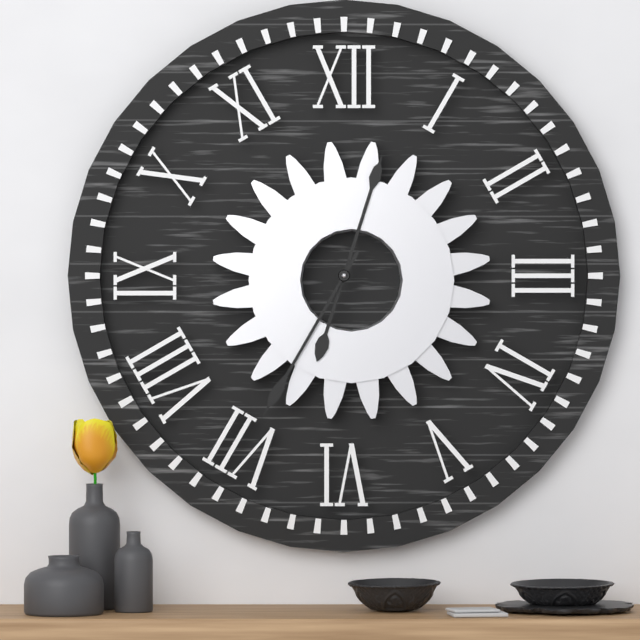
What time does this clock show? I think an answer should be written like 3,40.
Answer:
12,35
